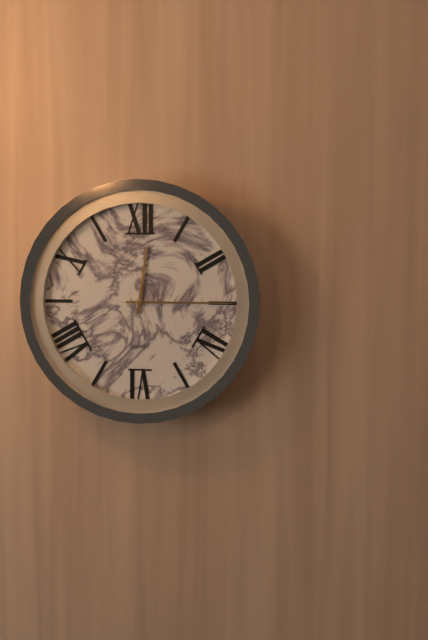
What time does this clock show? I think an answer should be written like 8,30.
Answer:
12,15
